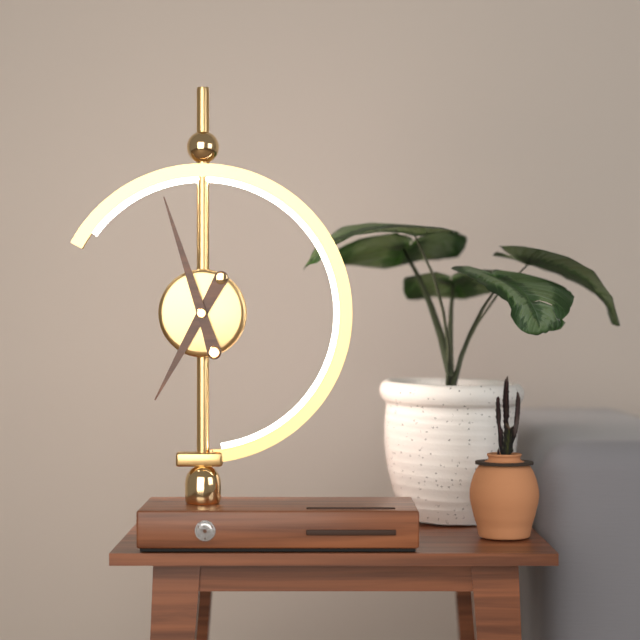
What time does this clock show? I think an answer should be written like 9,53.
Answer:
6,57
